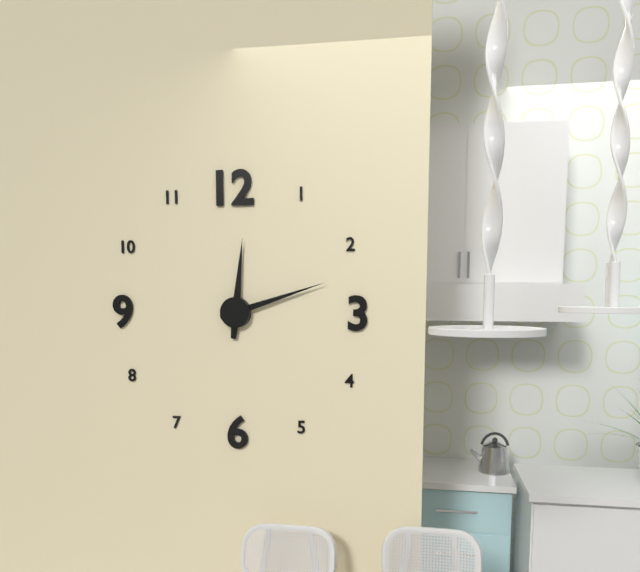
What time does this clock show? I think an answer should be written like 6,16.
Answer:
12,12
